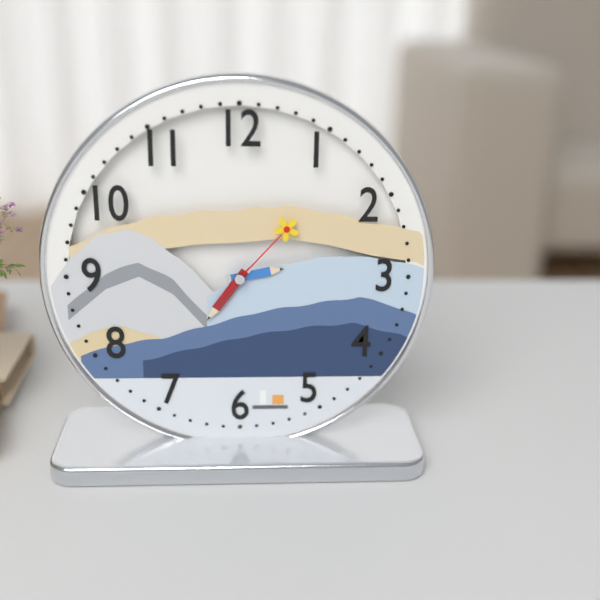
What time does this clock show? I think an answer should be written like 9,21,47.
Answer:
2,36,07
